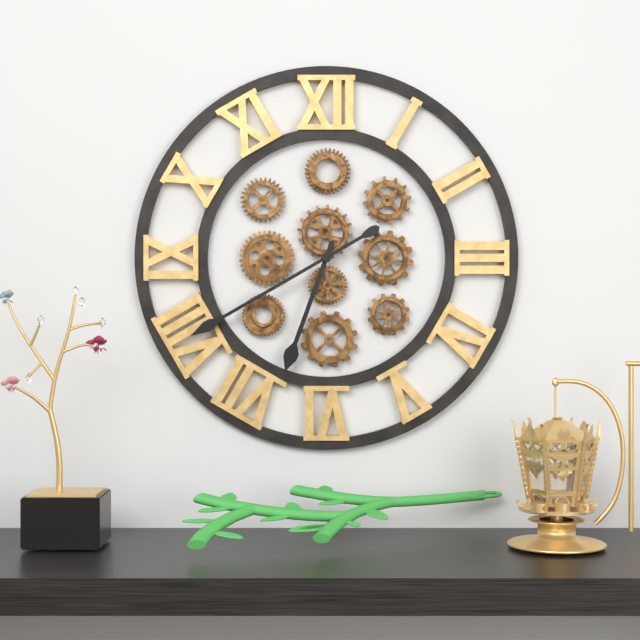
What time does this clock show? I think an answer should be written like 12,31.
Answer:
6,40
